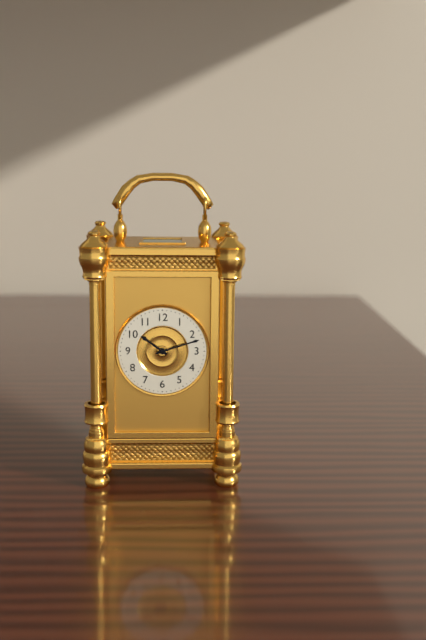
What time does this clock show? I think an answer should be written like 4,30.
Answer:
10,12
